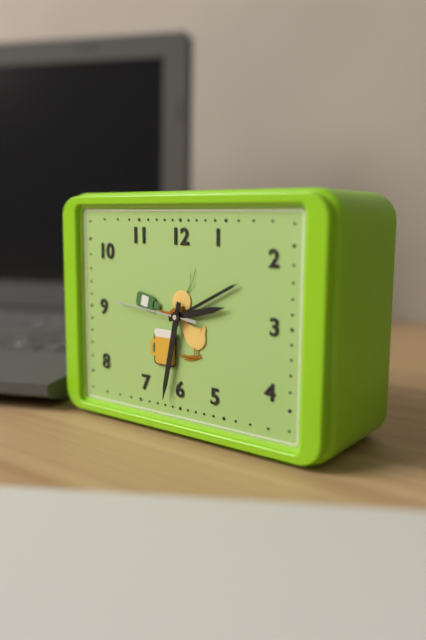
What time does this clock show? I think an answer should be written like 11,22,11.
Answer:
2,32,46
